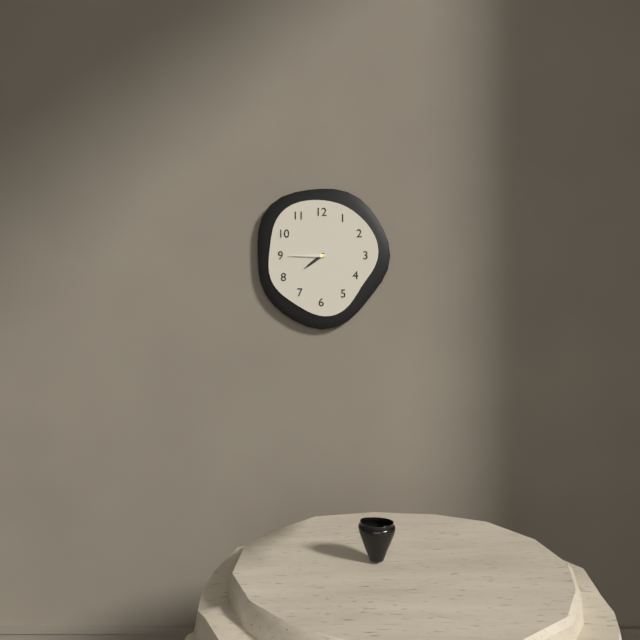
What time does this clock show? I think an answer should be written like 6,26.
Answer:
7,45
